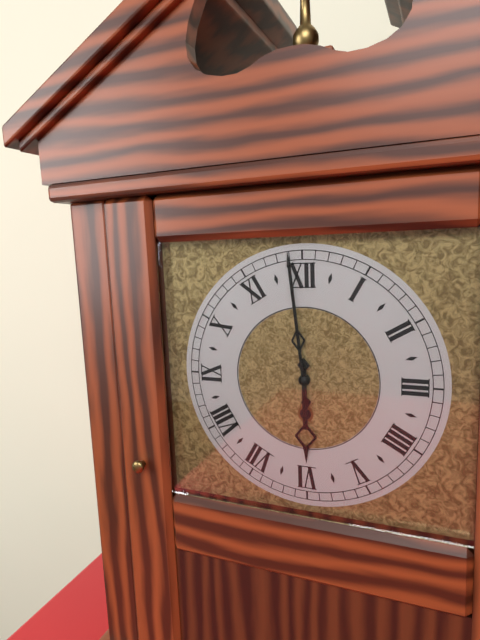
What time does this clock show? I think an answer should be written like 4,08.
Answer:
5,59
